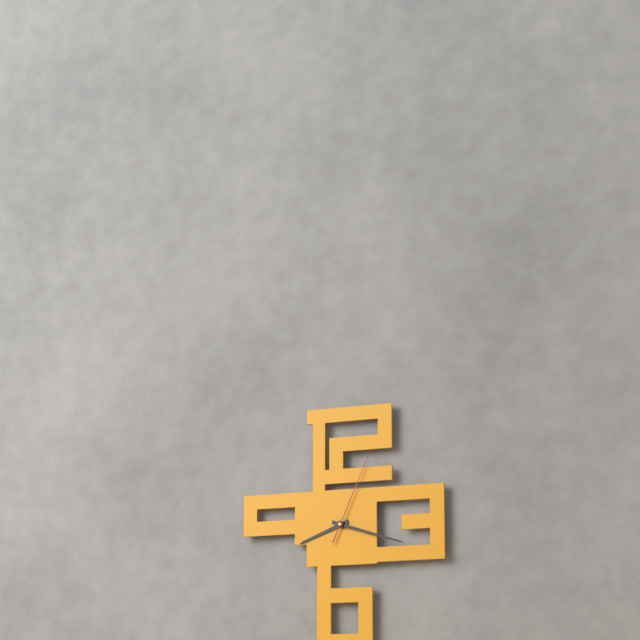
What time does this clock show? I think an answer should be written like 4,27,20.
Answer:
8,18,04
